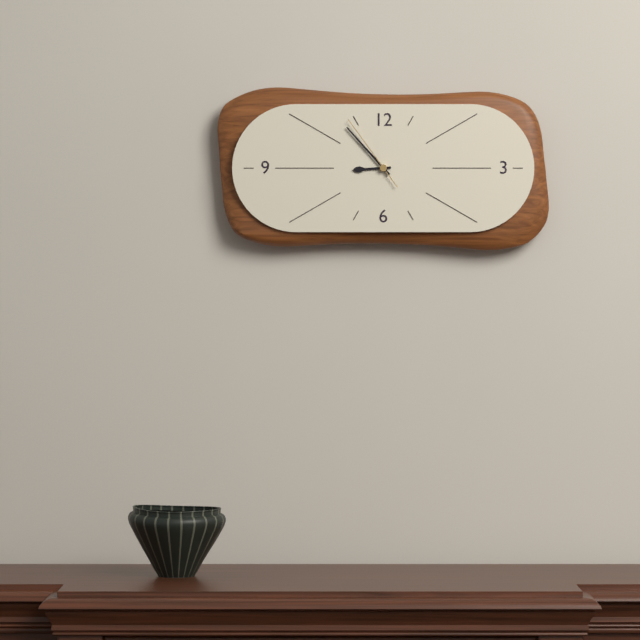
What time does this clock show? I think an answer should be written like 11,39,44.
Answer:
8,53,54
